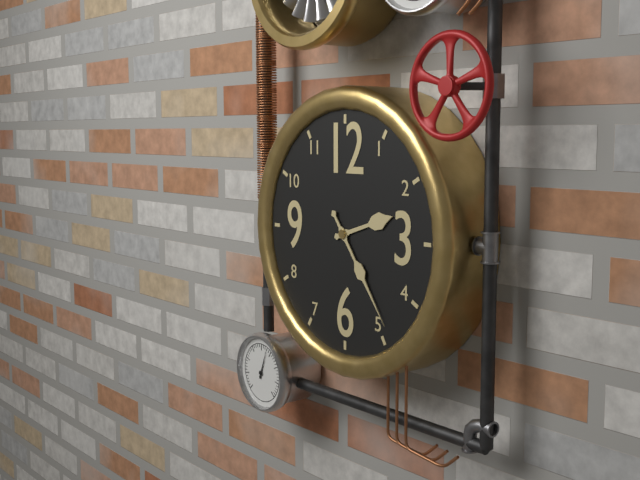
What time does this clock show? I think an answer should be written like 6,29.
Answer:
2,24
